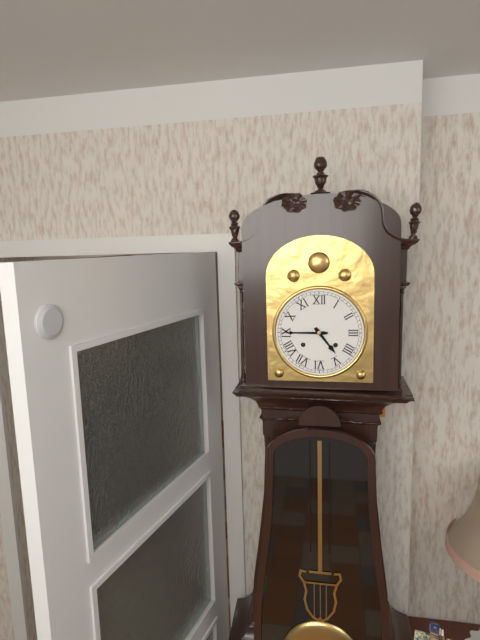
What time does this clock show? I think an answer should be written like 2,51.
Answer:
4,45
